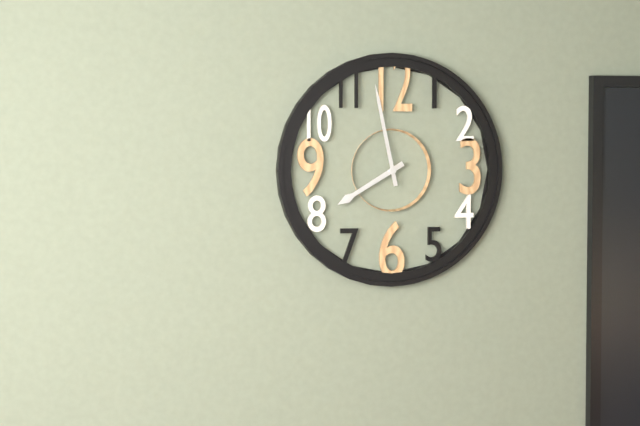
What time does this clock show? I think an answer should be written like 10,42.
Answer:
7,58
